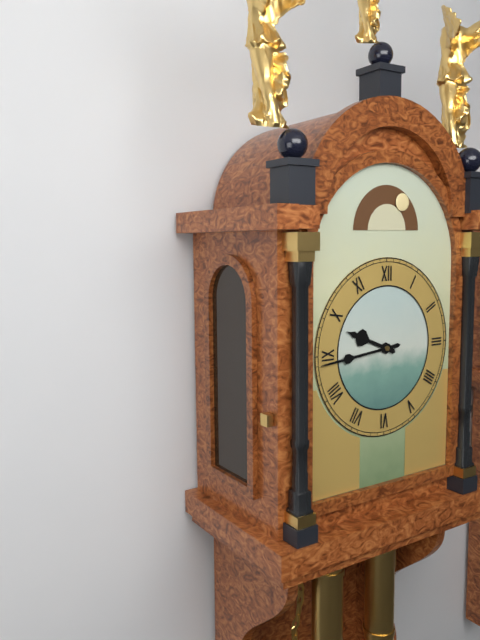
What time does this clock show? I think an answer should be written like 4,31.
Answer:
9,44
